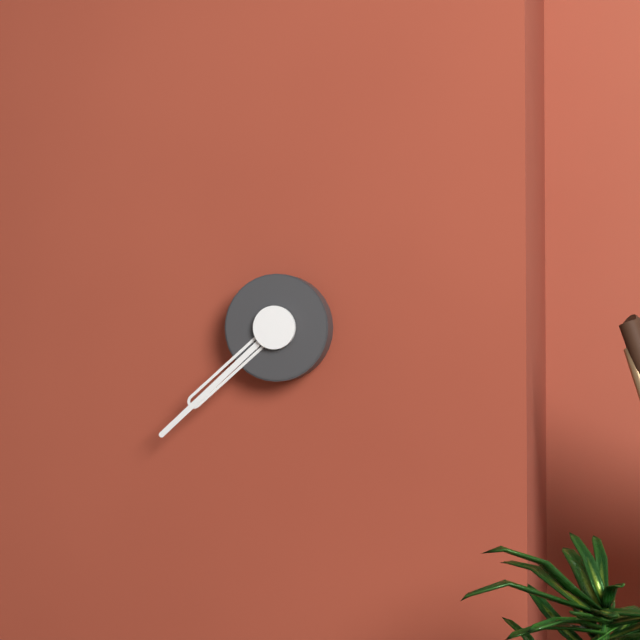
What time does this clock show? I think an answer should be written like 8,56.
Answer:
7,38
